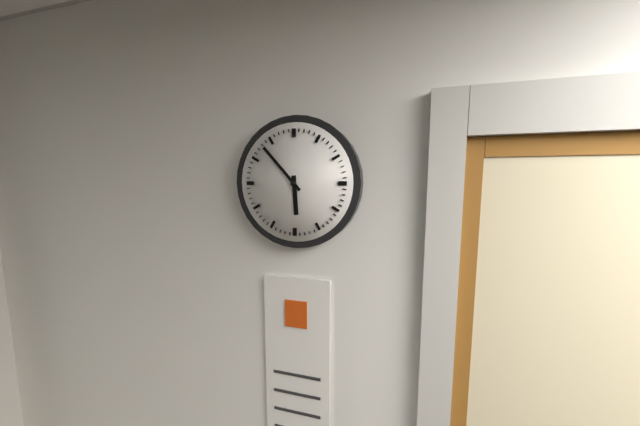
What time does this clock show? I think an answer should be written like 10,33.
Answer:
5,53
